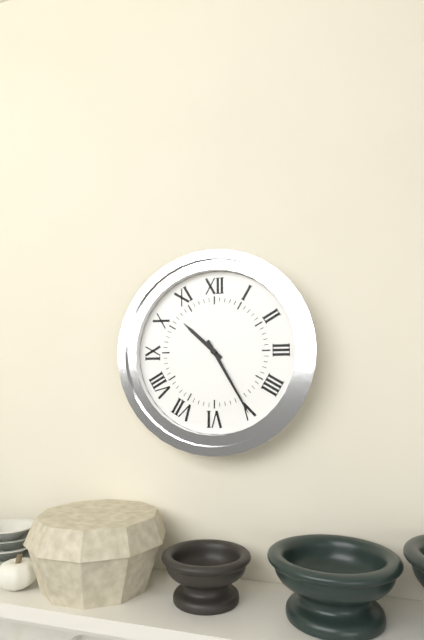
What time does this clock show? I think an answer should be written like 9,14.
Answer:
10,25
